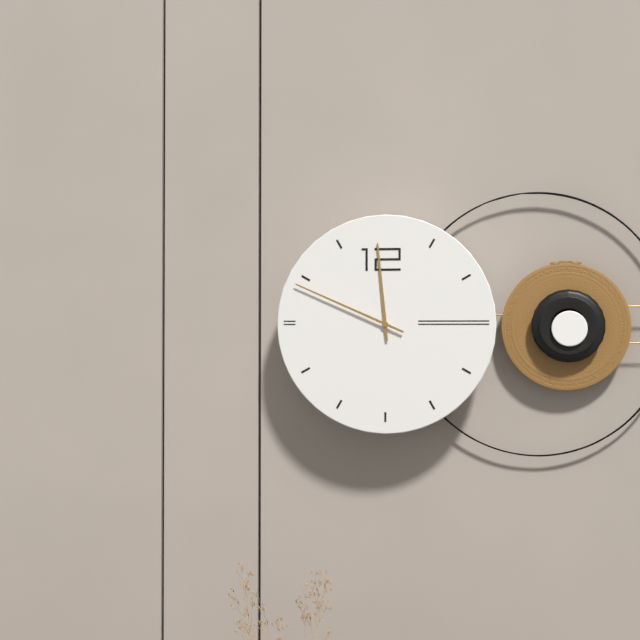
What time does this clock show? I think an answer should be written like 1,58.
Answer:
11,49
